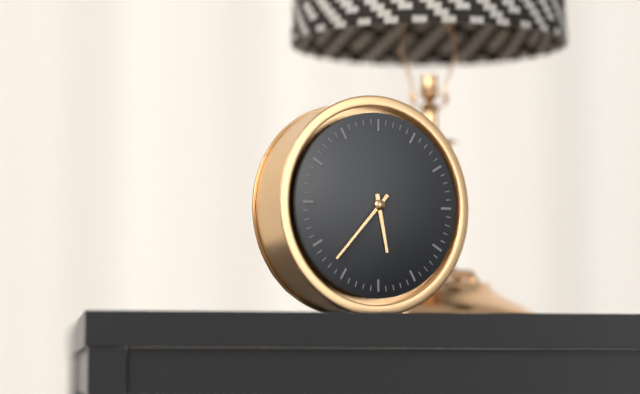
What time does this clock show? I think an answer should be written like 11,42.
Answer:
5,37
